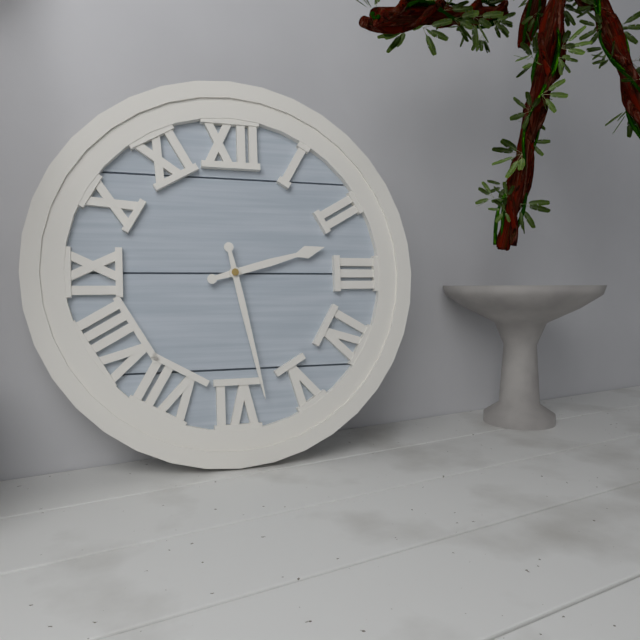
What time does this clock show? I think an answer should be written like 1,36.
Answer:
2,28
